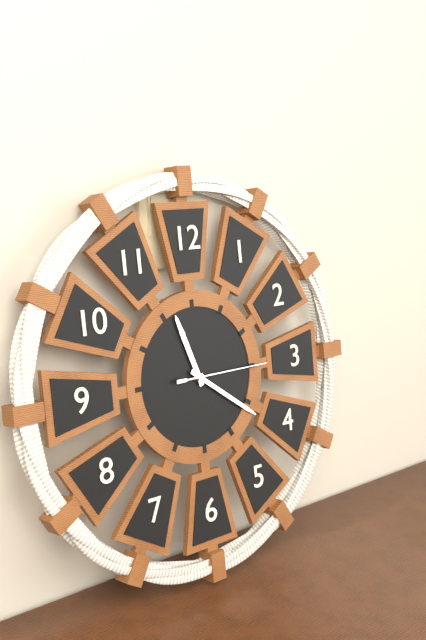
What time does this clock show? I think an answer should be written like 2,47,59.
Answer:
11,21,15
